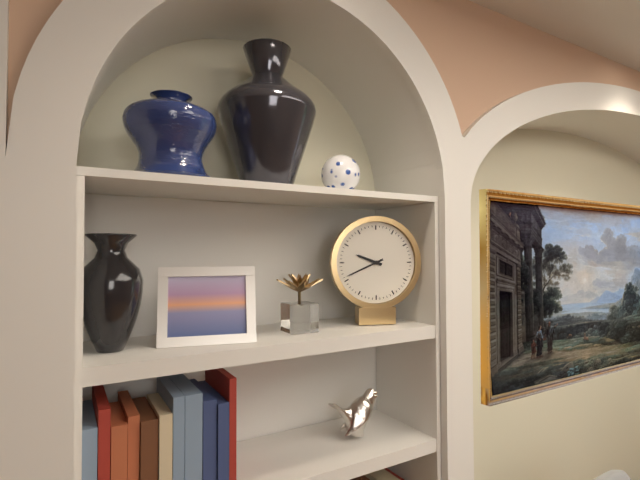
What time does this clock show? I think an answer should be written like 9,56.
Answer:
9,41
